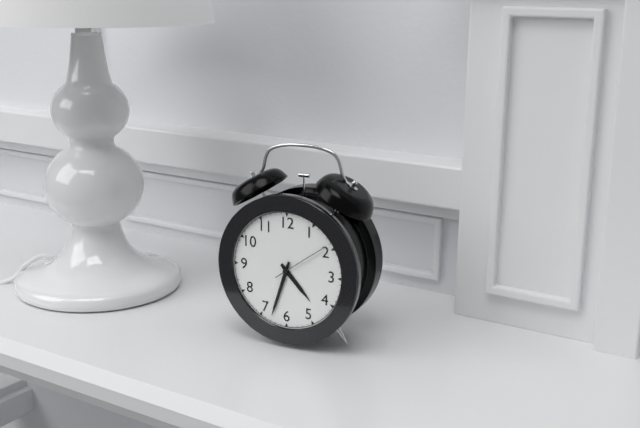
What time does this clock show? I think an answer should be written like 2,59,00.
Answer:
4,33,09
